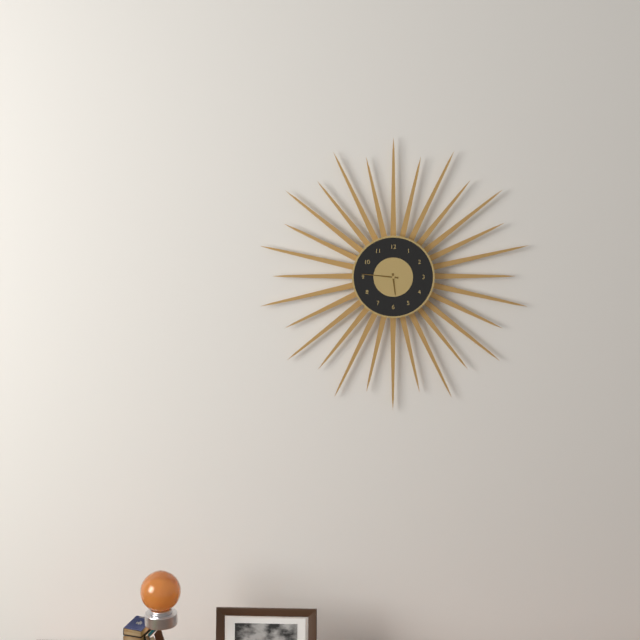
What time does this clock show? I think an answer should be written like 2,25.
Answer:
5,46
